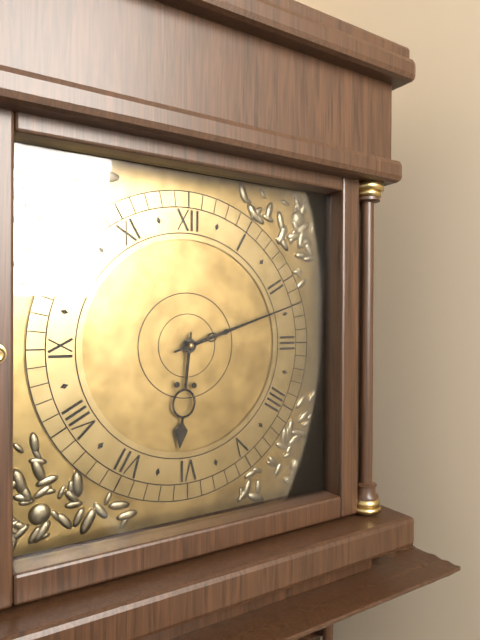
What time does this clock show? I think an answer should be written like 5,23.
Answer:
6,12
